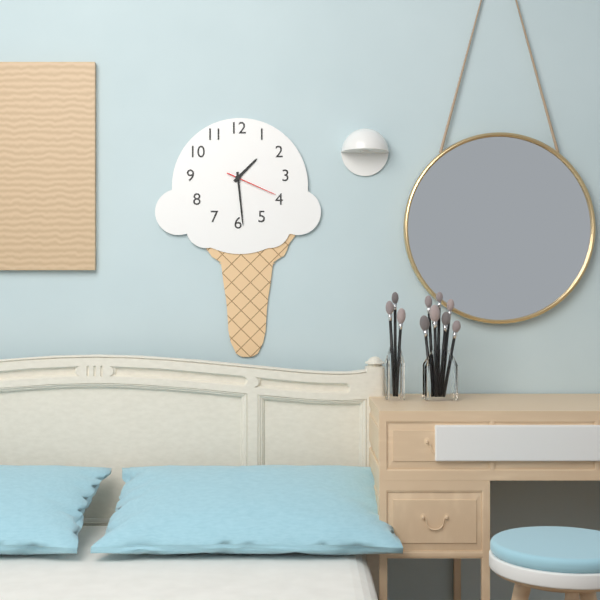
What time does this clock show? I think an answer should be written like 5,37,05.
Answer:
1,29,19
